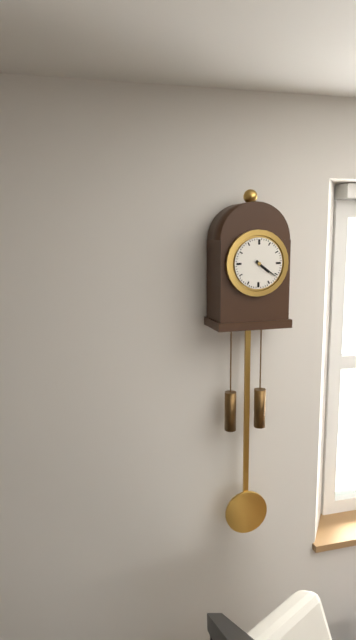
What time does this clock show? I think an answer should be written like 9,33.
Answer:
4,21
